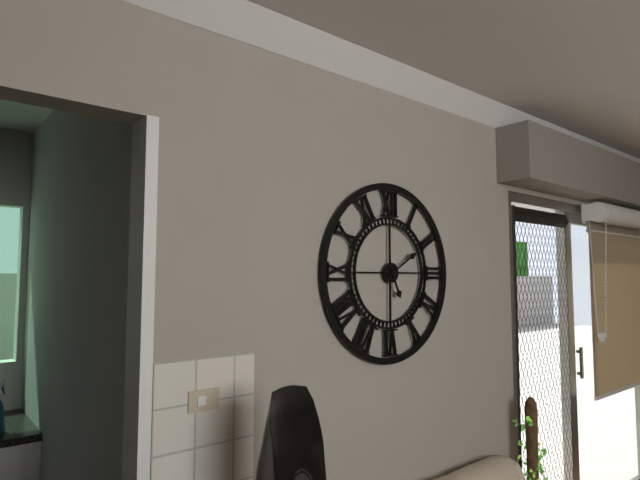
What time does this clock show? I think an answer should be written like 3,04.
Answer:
5,10
